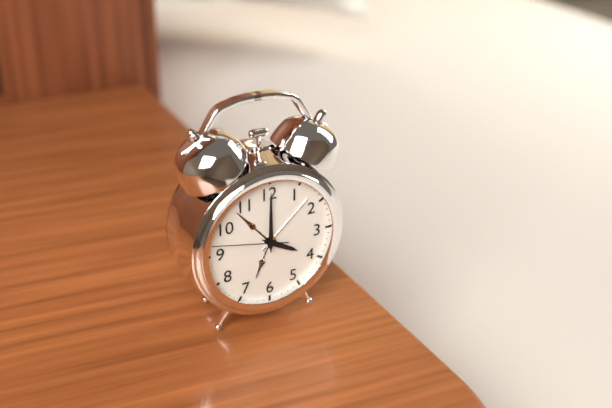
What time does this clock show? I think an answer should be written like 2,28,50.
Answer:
4,00,47
